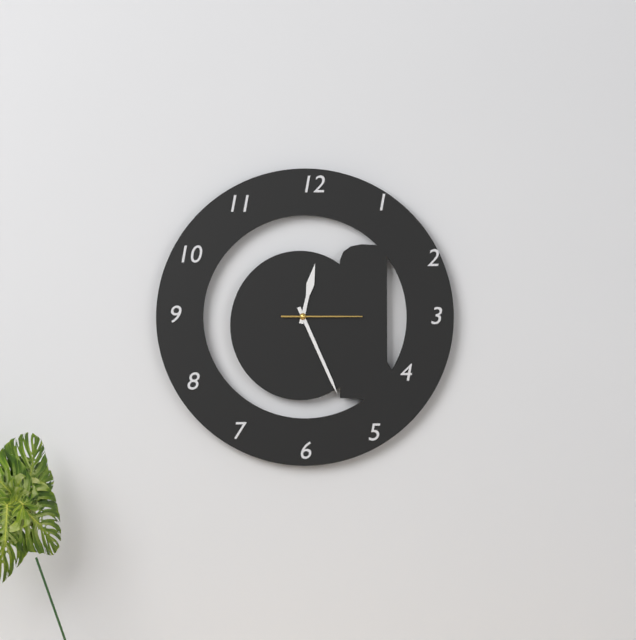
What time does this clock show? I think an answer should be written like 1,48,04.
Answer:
12,26,15
